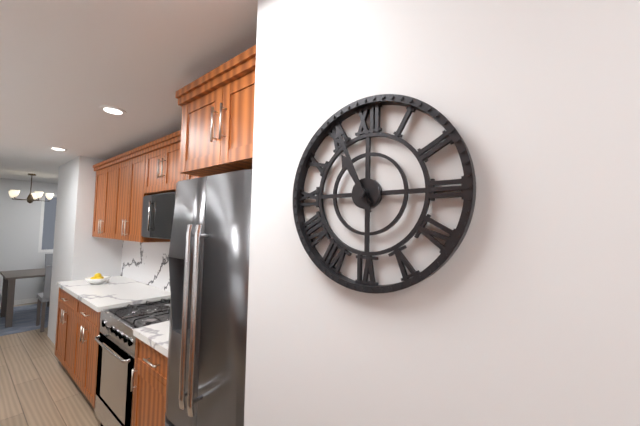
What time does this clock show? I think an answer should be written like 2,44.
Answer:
10,56
